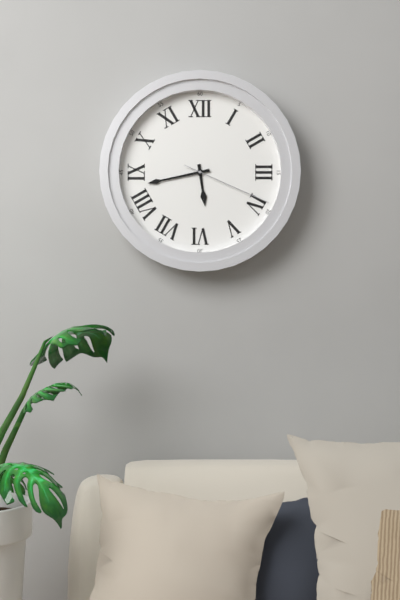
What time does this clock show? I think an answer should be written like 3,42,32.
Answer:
5,43,19
